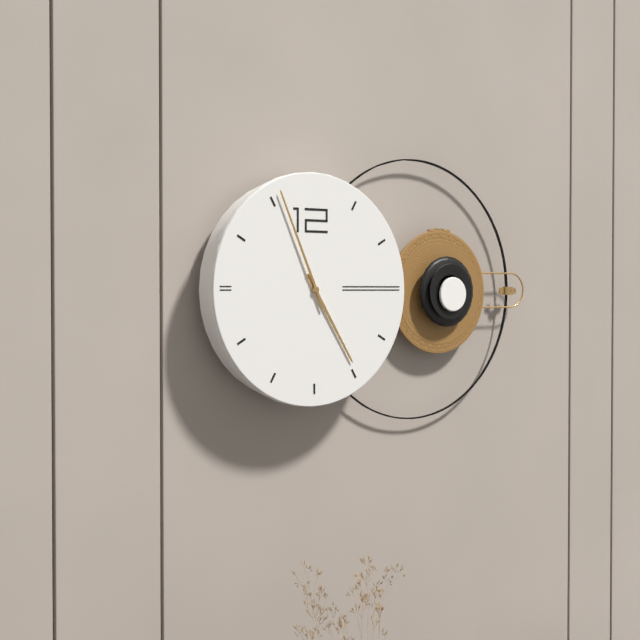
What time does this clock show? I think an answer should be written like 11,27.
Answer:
4,56
